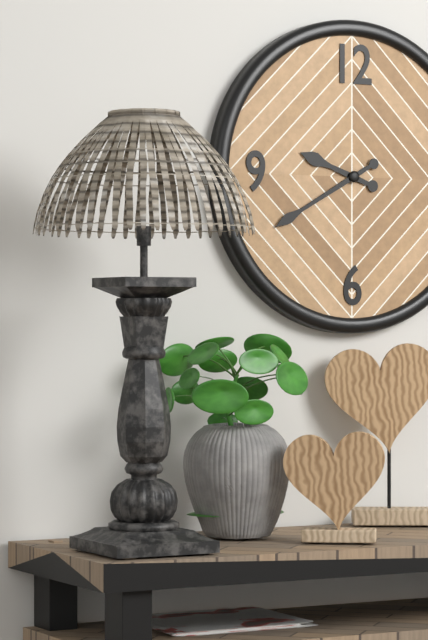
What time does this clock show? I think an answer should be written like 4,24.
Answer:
9,40
